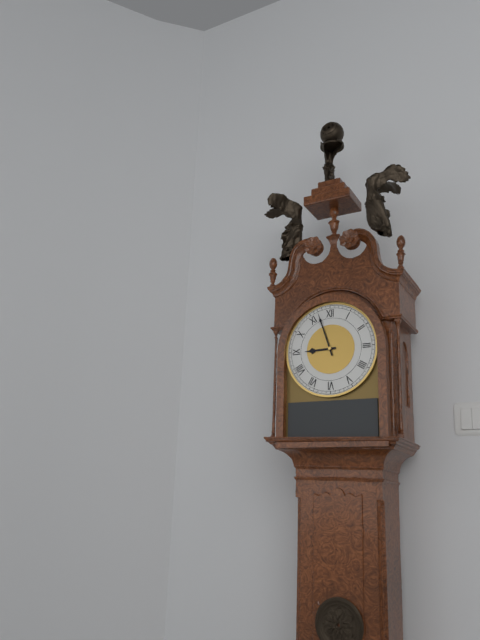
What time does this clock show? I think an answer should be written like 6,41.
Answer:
8,57
